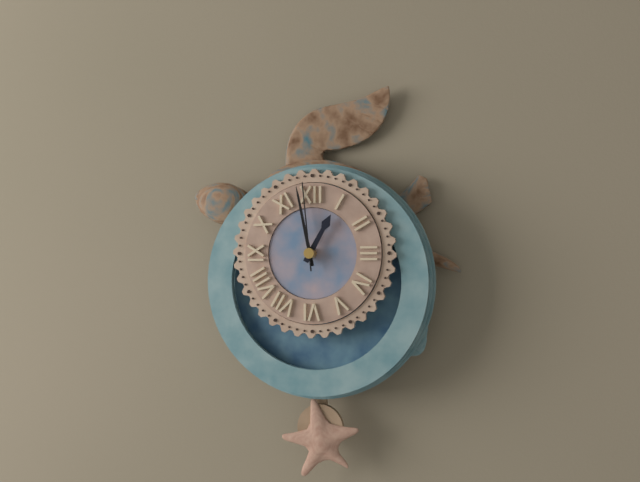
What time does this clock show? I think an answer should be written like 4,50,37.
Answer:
12,58,59
